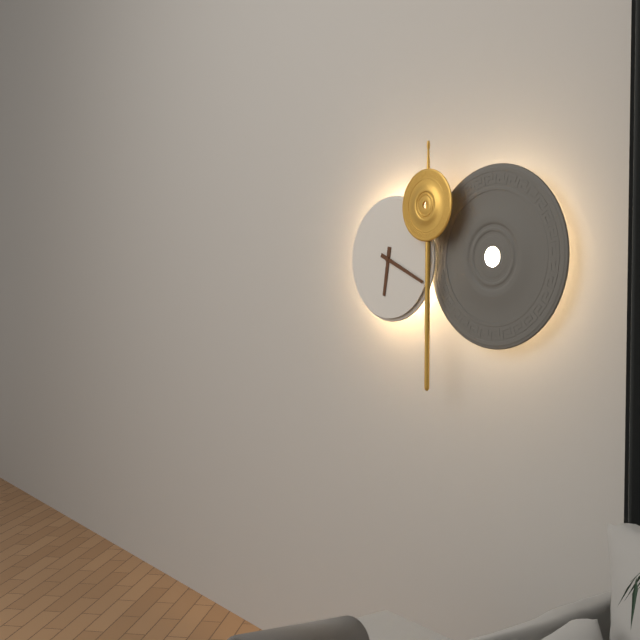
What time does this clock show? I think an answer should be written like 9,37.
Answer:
6,19
